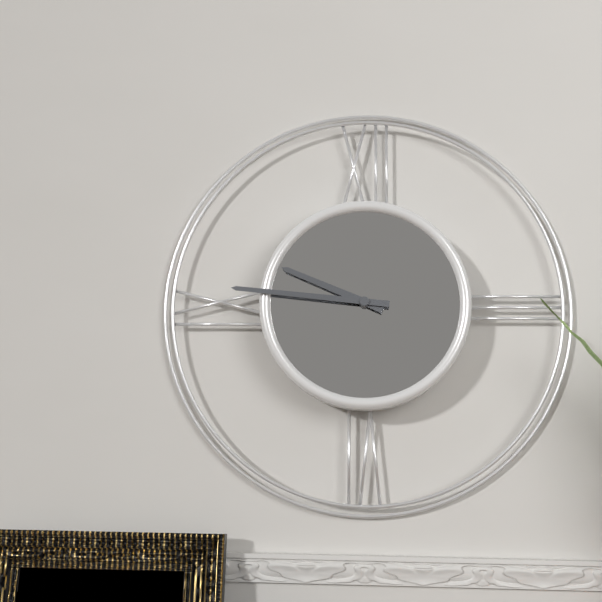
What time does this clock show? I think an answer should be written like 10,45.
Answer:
9,46
